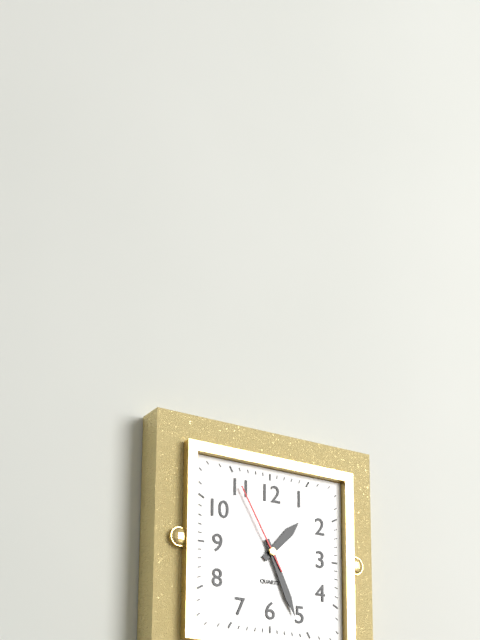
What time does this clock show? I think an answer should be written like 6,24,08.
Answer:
1,26,55
